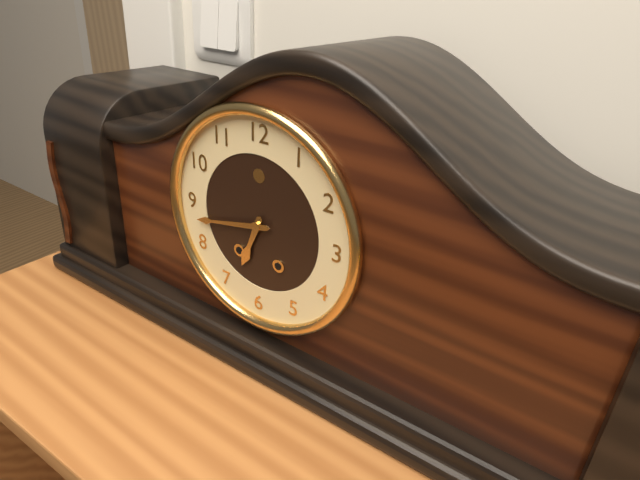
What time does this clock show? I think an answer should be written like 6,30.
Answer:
6,43
